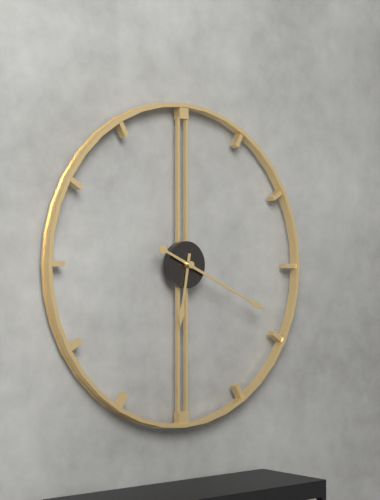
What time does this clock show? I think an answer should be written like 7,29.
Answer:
6,19
